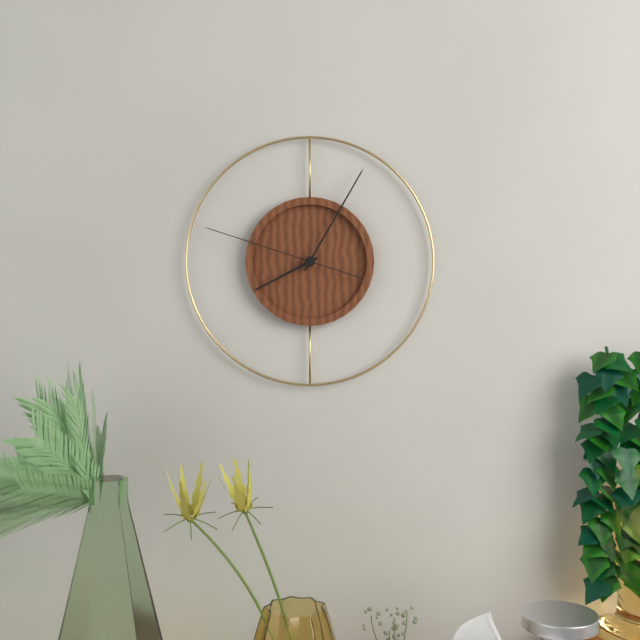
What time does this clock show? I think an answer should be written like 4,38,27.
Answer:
8,05,48
